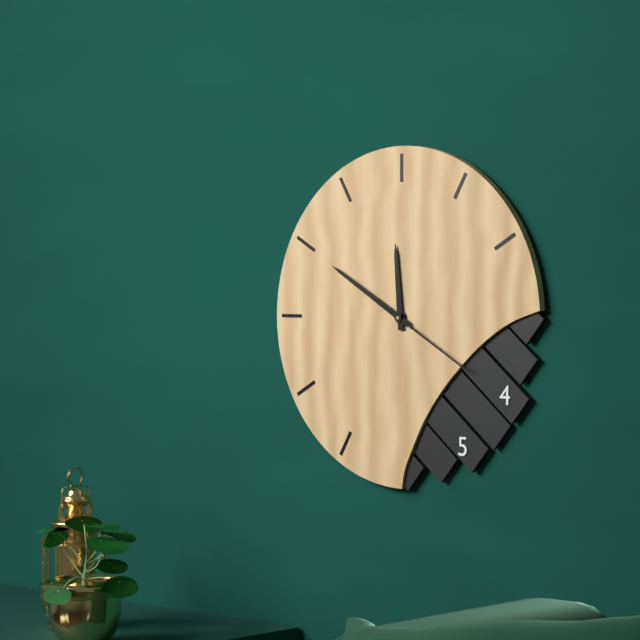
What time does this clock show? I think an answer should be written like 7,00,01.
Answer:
11,50,20
